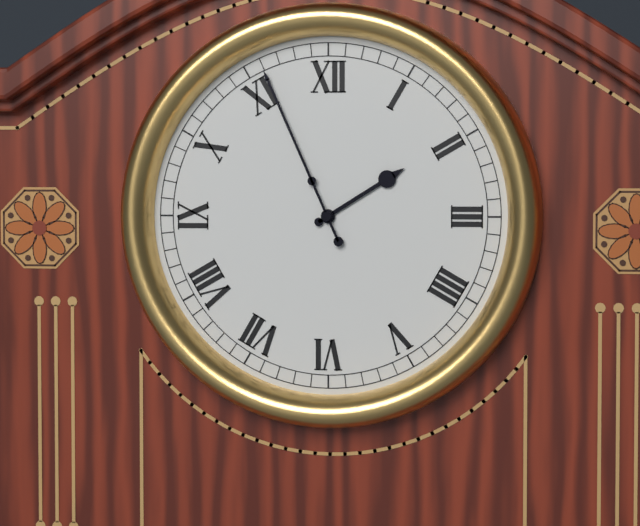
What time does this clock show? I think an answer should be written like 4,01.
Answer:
1,56
